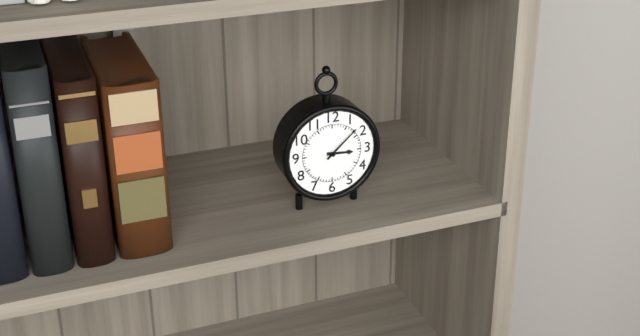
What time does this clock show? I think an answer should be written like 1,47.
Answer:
3,08
